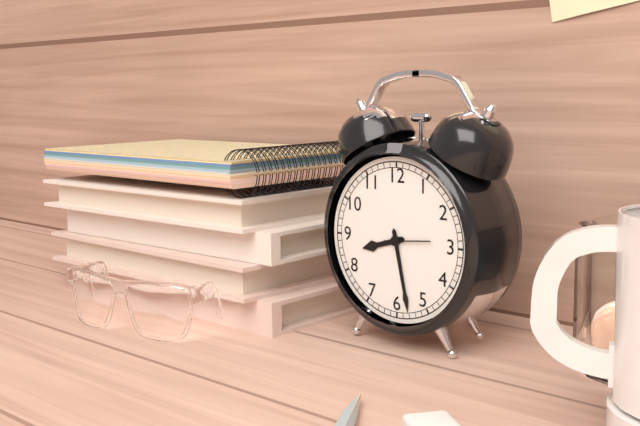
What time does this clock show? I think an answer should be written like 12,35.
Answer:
8,28
